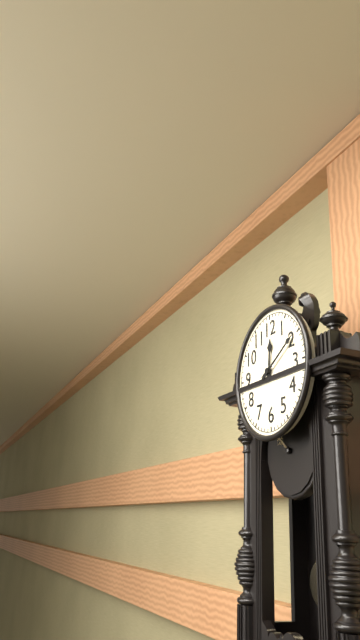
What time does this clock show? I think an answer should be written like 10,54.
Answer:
12,10
